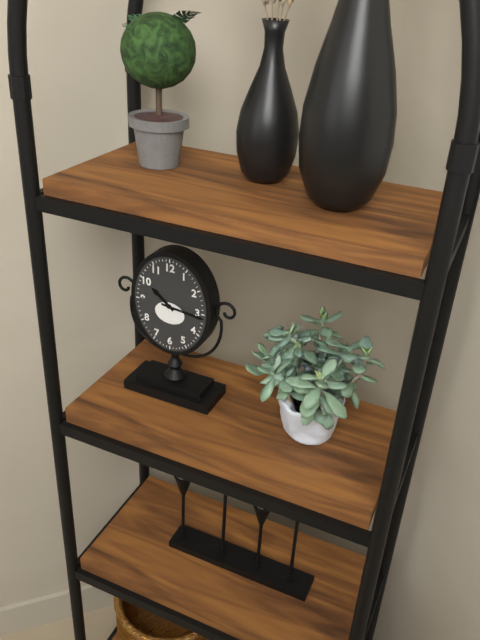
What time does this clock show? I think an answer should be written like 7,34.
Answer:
10,16
